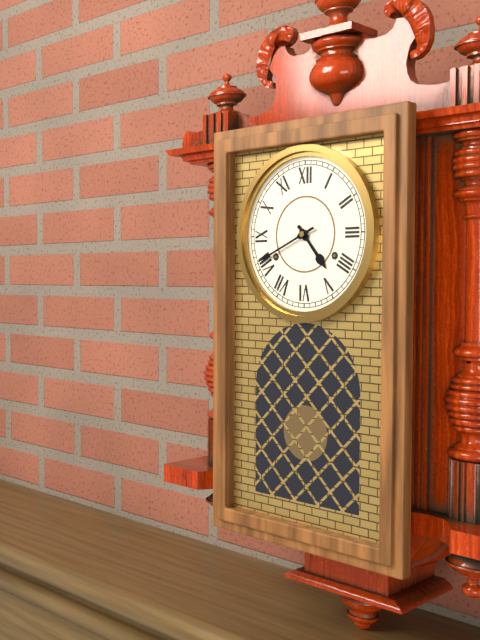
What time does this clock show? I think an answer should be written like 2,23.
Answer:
4,41
